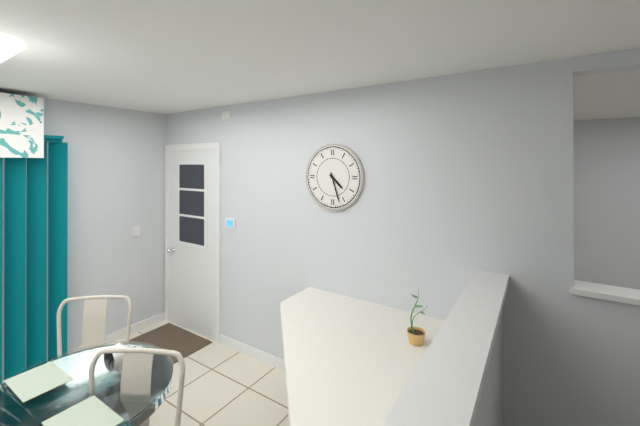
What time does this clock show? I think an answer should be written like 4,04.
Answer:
4,27
